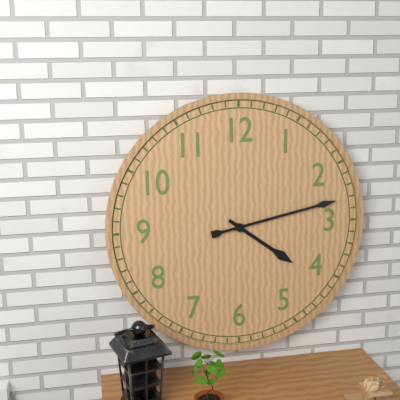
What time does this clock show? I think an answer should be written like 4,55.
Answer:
4,13
